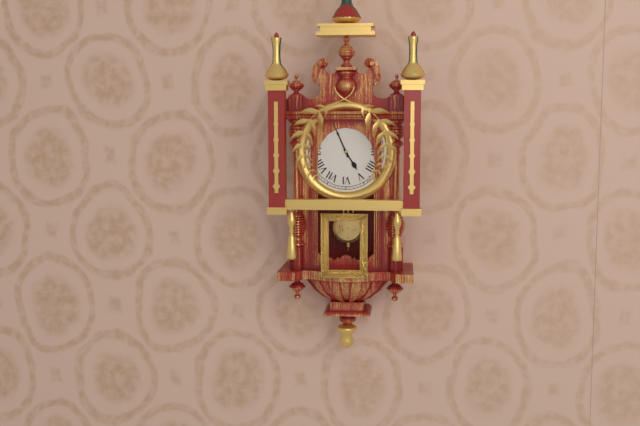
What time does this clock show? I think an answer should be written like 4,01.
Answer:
4,56
